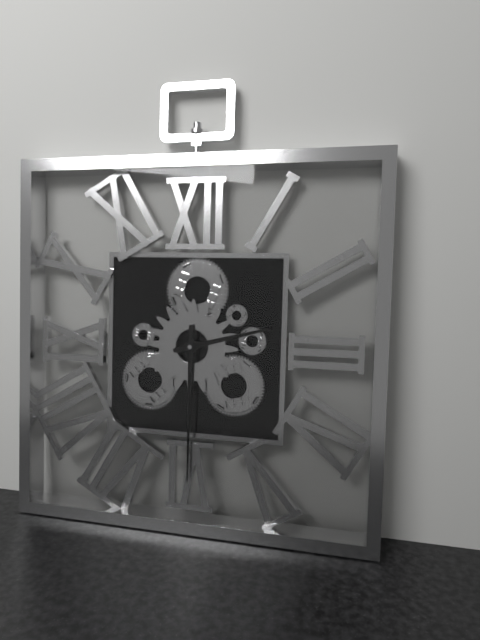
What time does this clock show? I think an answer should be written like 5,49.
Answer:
2,30
